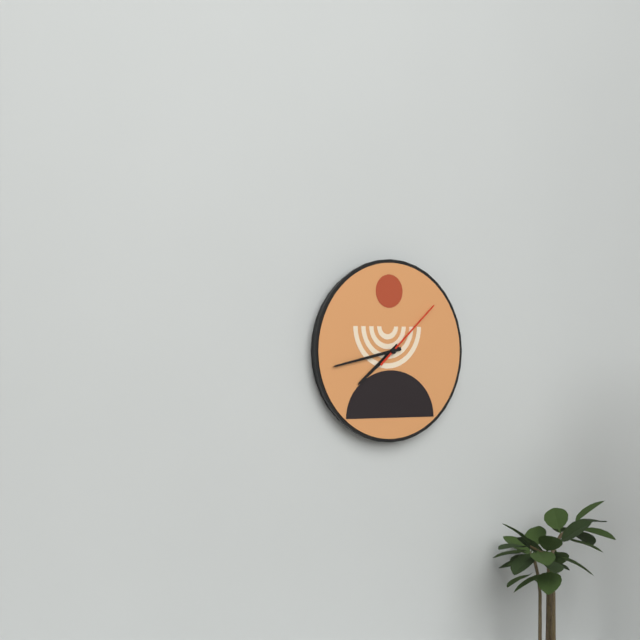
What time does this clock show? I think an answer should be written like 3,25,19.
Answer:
7,43,08
